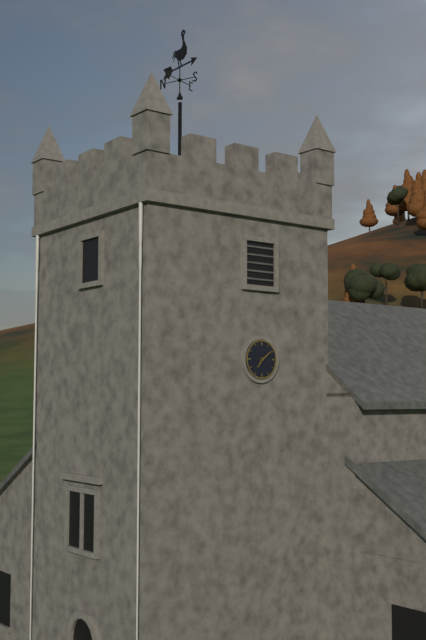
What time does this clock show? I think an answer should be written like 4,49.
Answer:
7,09
